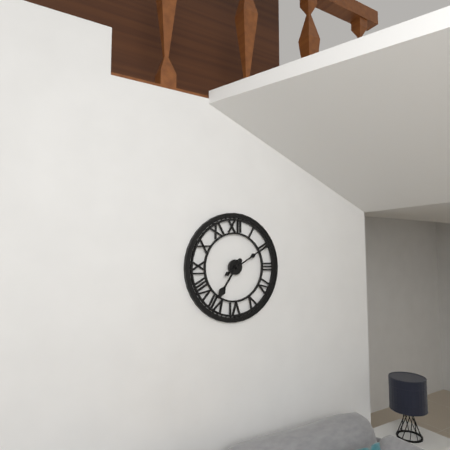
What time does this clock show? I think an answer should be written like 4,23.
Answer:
7,10
